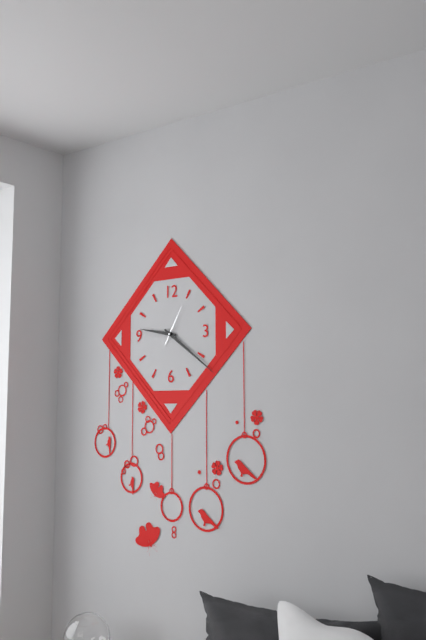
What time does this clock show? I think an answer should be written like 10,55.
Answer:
9,21
